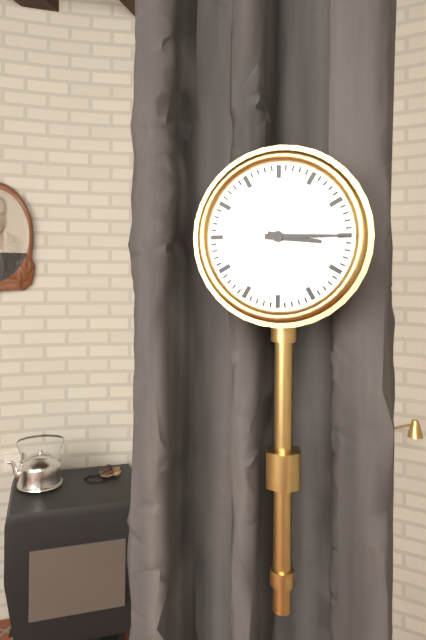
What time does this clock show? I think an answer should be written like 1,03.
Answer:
3,15
